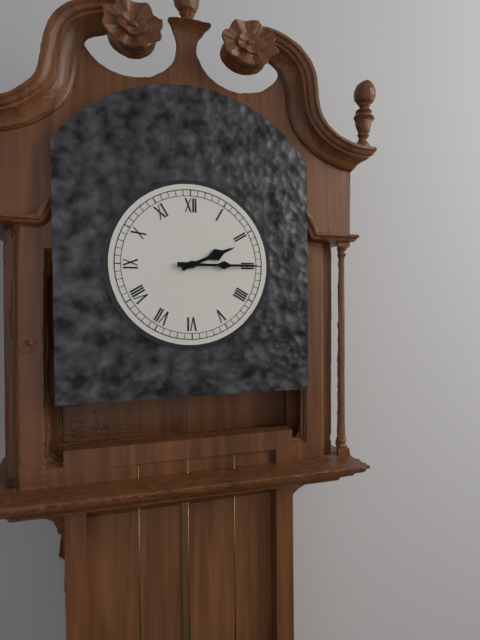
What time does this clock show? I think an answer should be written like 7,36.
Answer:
2,15
